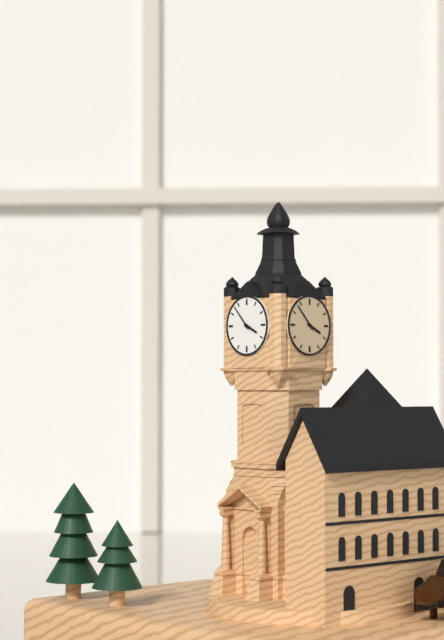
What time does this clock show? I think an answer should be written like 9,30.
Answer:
3,53
